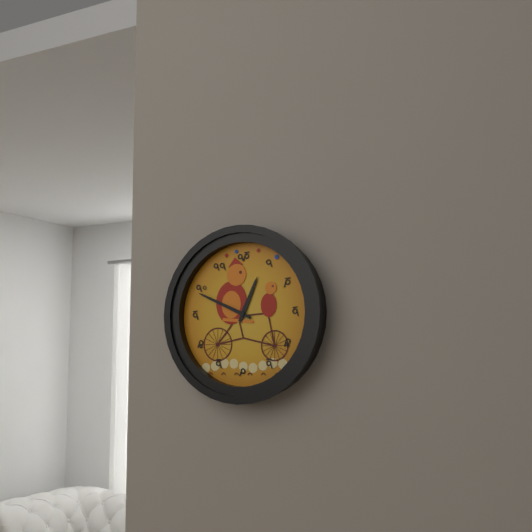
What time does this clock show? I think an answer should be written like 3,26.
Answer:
12,49
